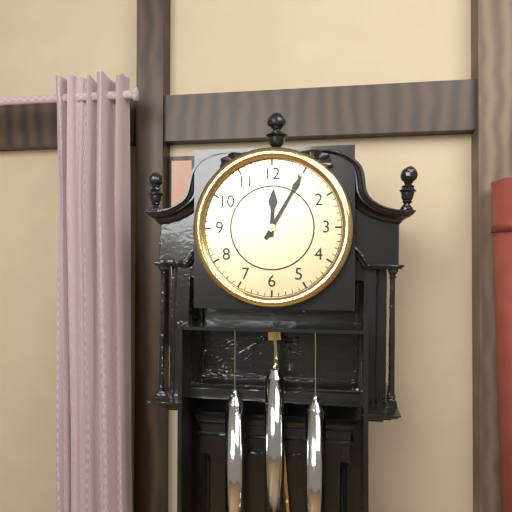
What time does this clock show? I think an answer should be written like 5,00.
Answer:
12,05
